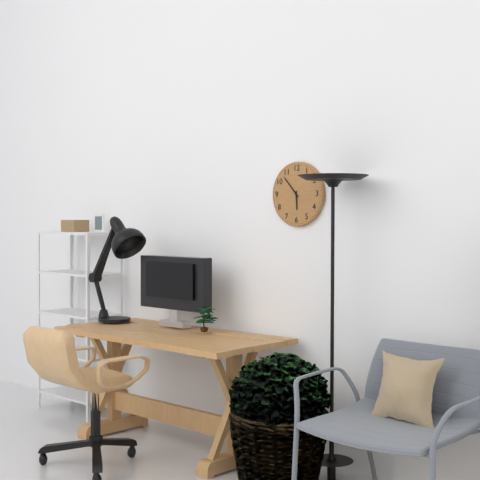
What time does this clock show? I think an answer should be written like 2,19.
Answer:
5,53
